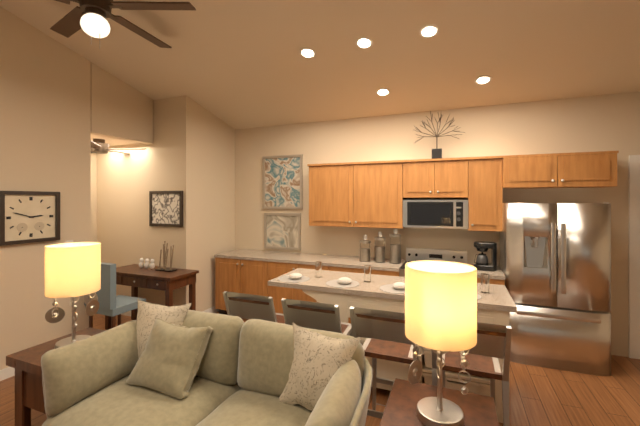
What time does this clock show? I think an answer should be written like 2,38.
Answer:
2,48
